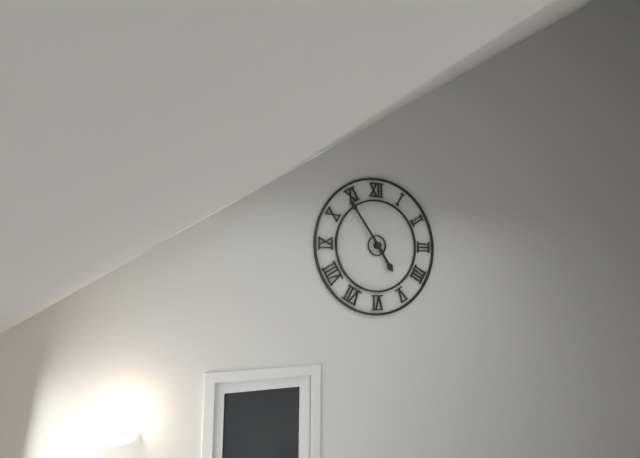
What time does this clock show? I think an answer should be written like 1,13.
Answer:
4,54
